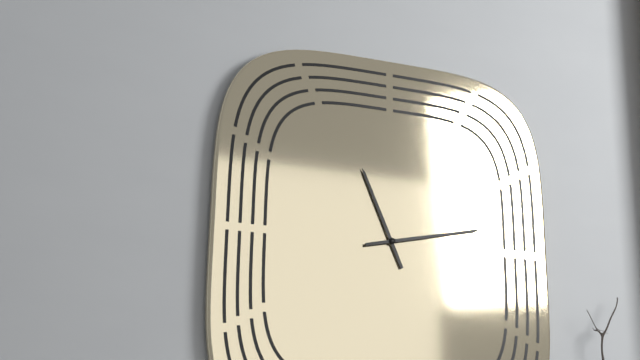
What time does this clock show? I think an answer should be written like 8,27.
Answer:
11,13
